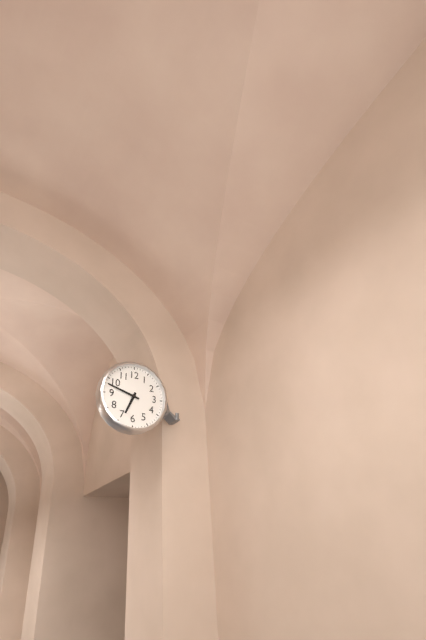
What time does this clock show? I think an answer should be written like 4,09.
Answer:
6,48
